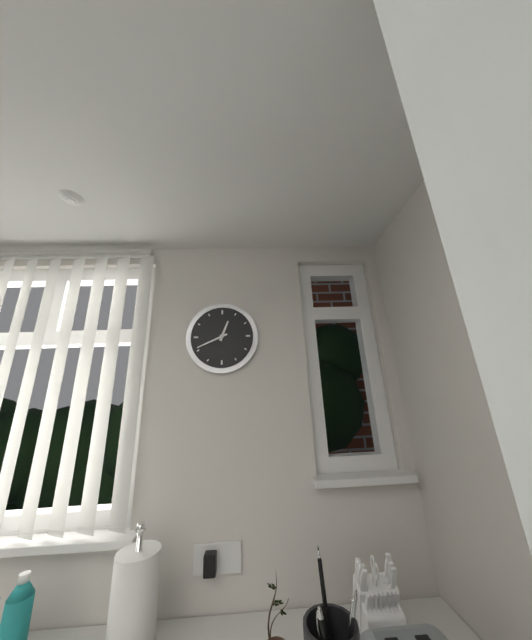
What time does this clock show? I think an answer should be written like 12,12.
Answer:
12,41
